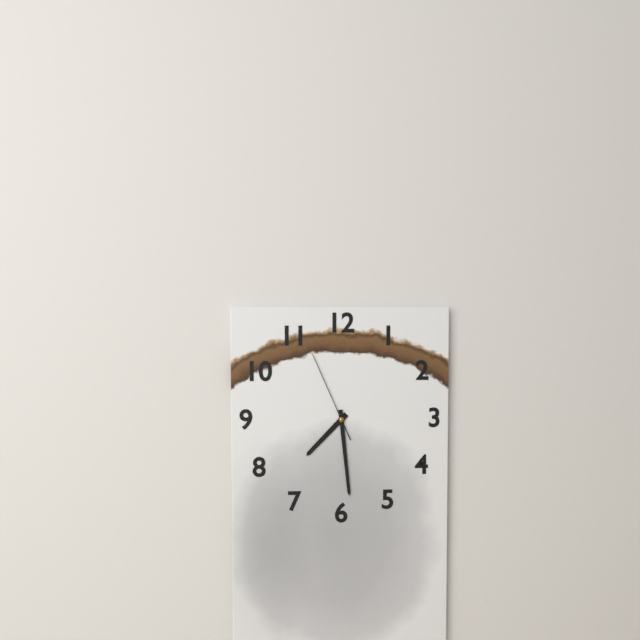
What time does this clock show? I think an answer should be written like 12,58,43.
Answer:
7,29,56
